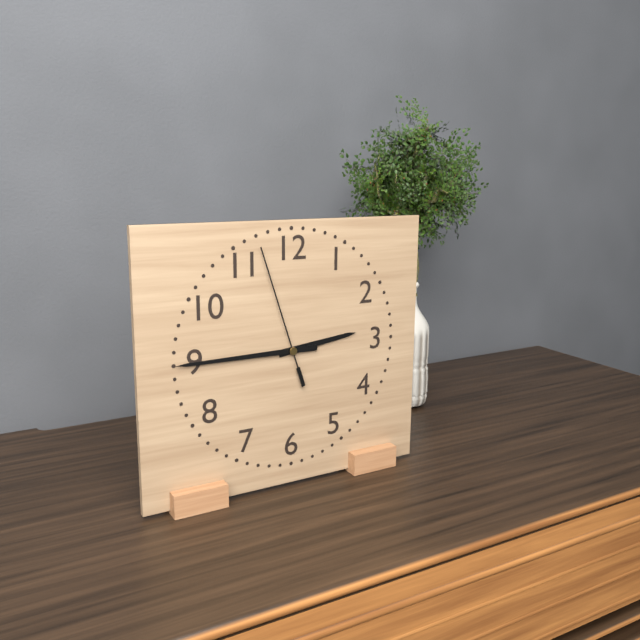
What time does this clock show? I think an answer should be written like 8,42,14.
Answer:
2,45,57
